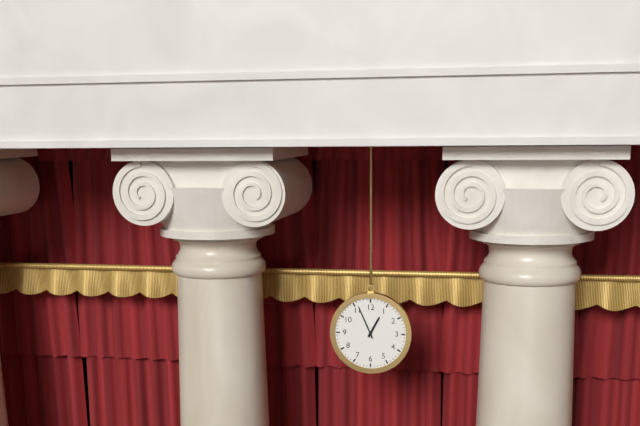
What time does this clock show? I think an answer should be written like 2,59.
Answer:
12,56
